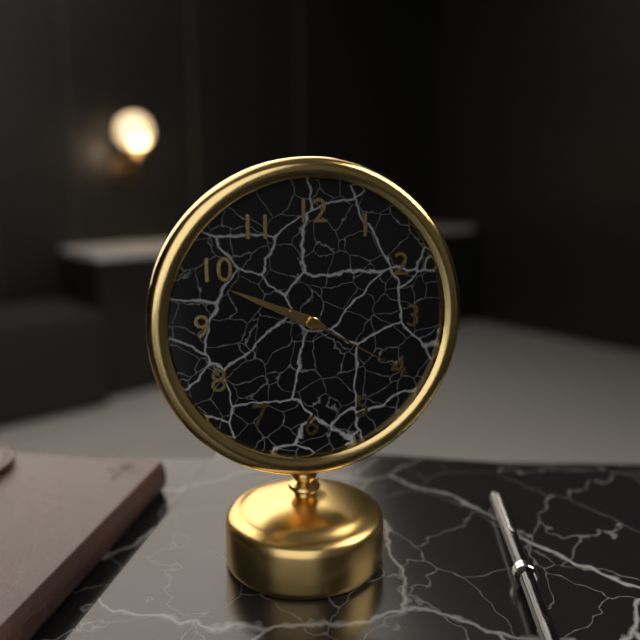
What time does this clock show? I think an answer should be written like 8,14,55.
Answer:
9,49,20
